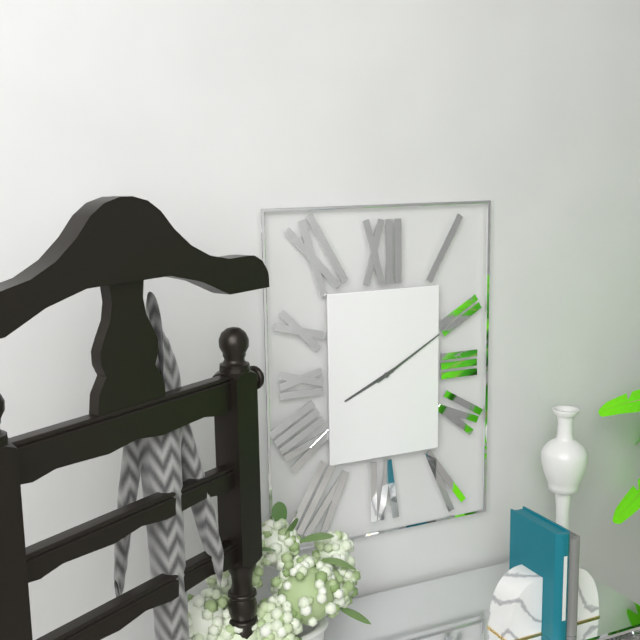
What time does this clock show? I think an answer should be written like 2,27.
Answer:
8,10
